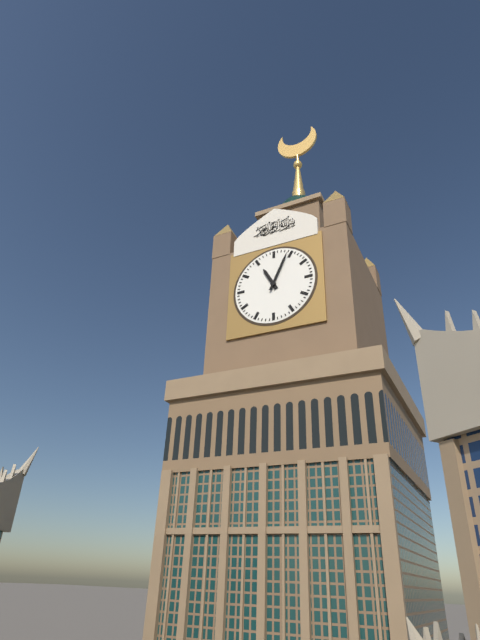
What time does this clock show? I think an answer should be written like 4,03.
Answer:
11,04
